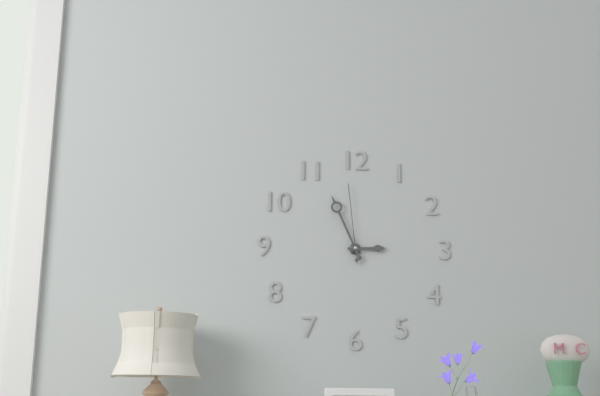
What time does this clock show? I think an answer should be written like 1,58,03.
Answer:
2,56,59
